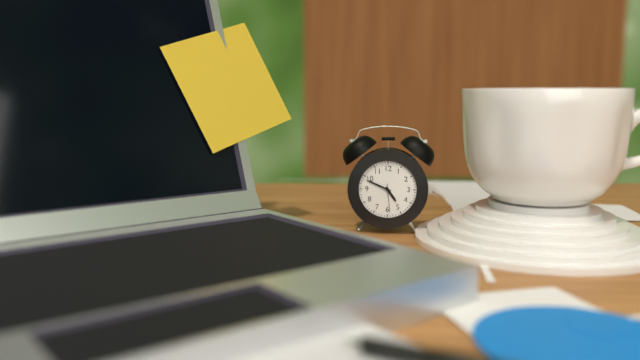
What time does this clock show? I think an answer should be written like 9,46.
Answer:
4,49
